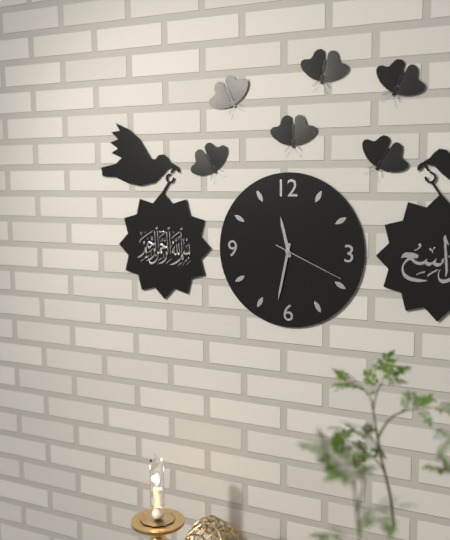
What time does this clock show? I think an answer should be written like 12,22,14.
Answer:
11,32,19
